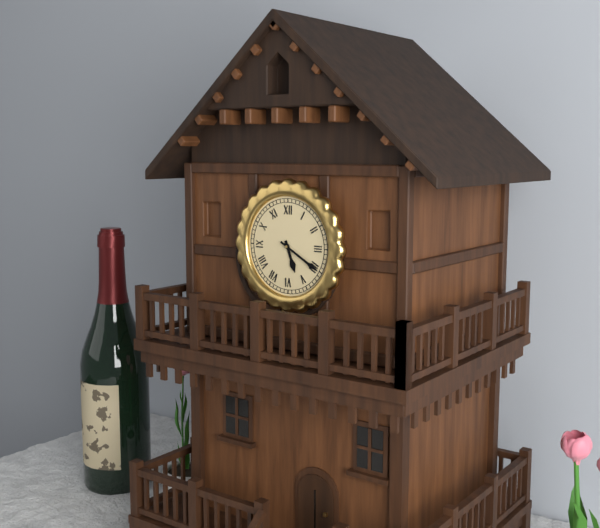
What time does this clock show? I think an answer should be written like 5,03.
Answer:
5,20
